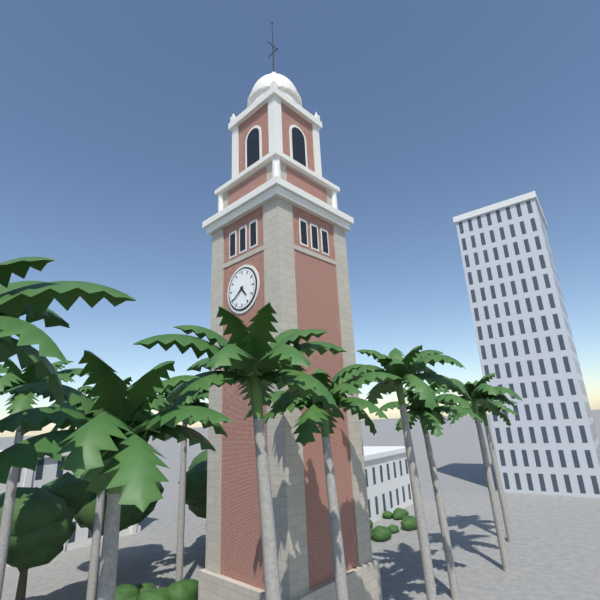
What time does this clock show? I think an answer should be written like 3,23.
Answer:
4,39
